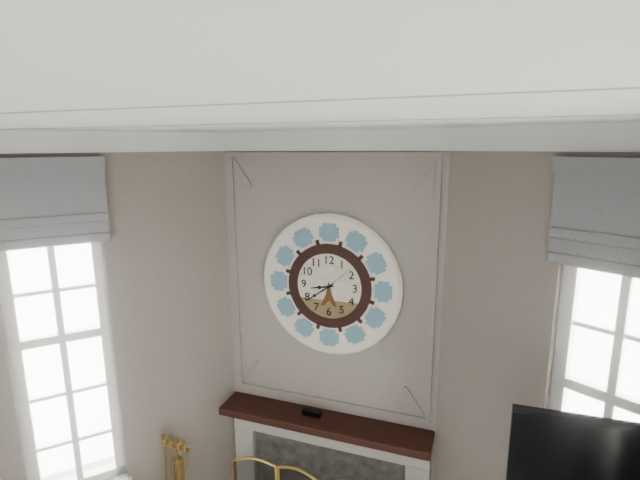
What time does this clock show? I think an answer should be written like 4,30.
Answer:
8,39
